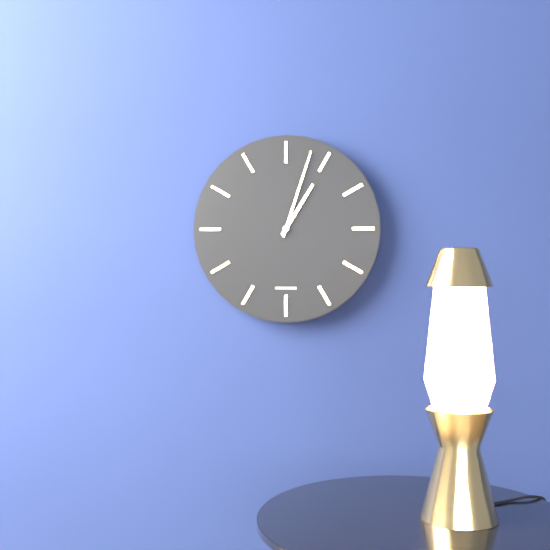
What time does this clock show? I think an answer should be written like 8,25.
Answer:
1,03
